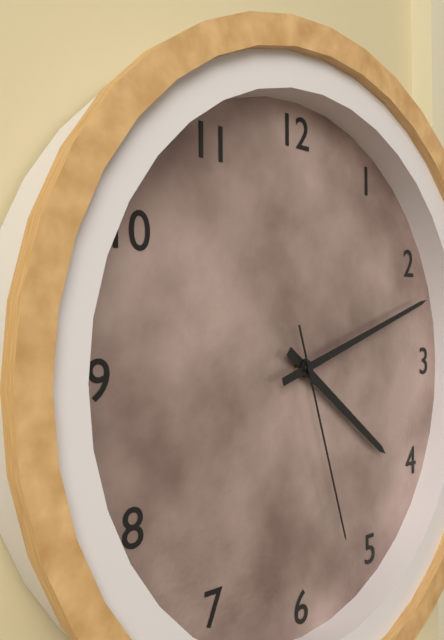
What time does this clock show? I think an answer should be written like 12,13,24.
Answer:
4,12,27
